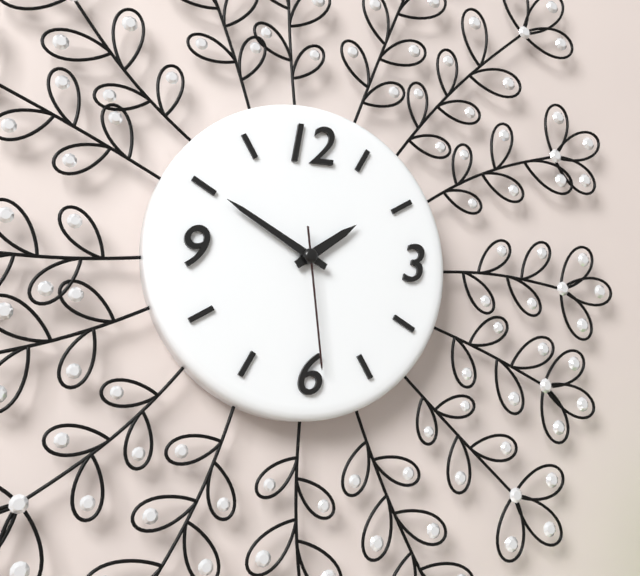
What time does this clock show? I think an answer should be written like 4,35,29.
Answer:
1,50,29
